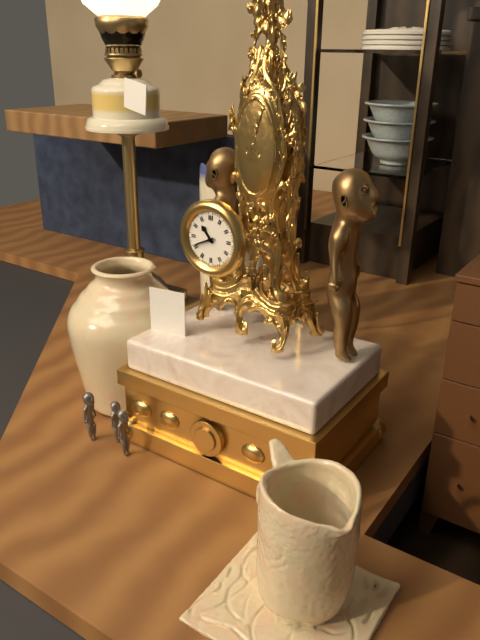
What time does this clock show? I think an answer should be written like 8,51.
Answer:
10,41
